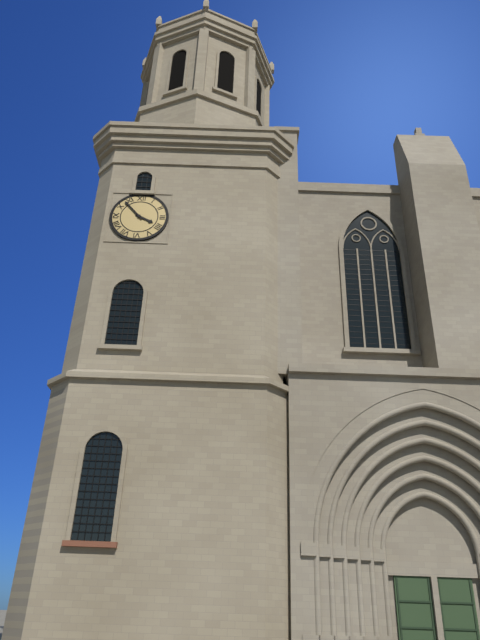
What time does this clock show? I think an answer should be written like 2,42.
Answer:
3,53
